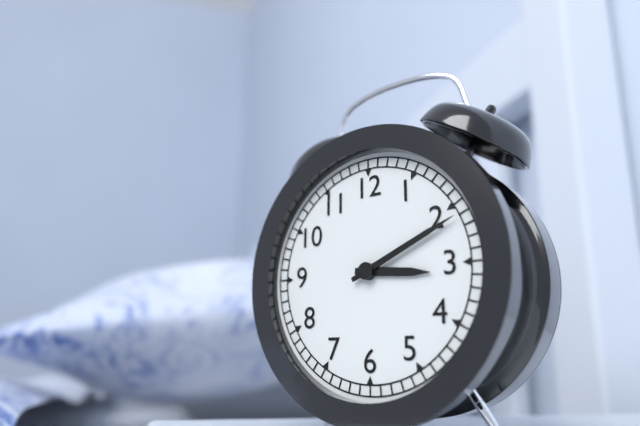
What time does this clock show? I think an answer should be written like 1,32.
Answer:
3,11
